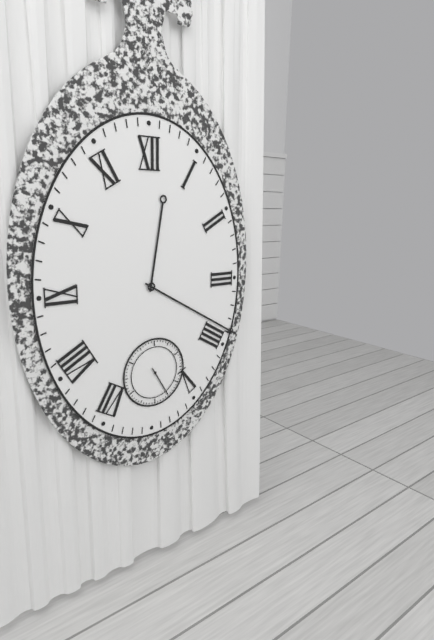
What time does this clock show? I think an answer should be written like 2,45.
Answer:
12,20
